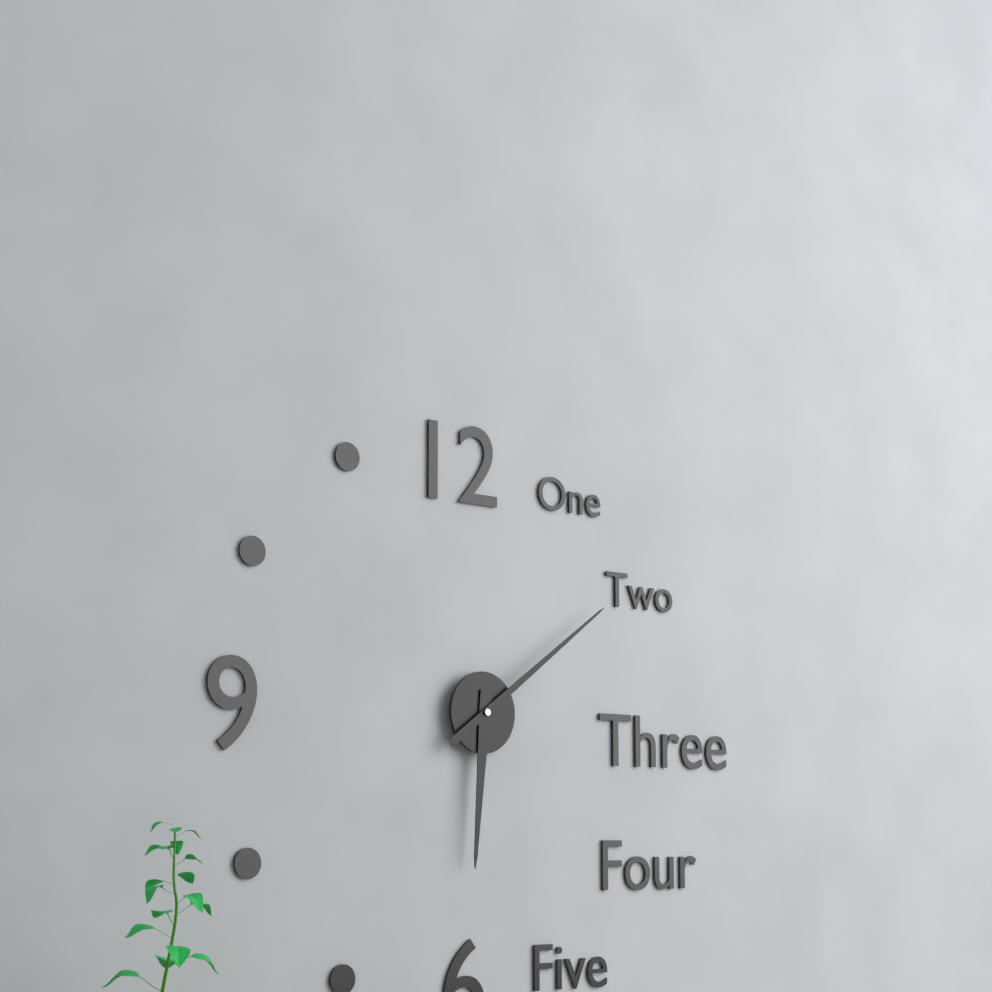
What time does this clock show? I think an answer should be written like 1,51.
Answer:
6,09
